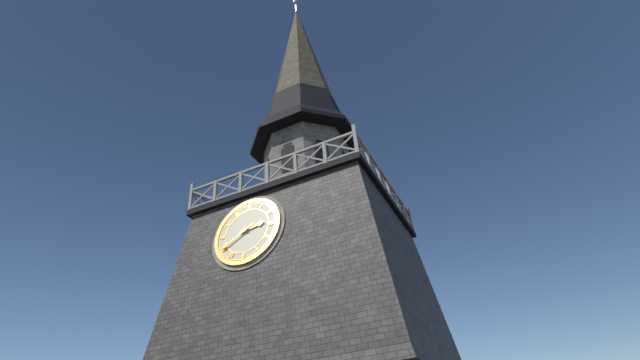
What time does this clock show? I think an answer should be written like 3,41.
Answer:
2,40
